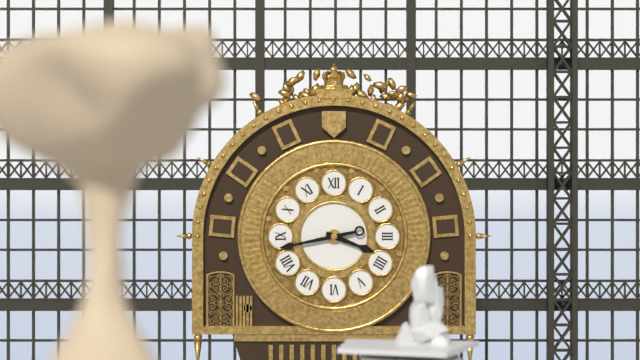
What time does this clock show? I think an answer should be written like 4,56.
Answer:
3,43
